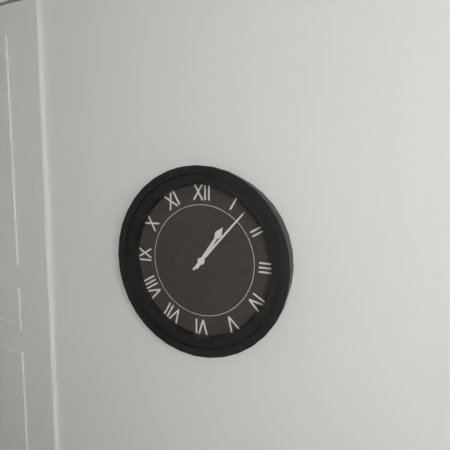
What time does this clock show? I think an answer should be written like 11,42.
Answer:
1,07
